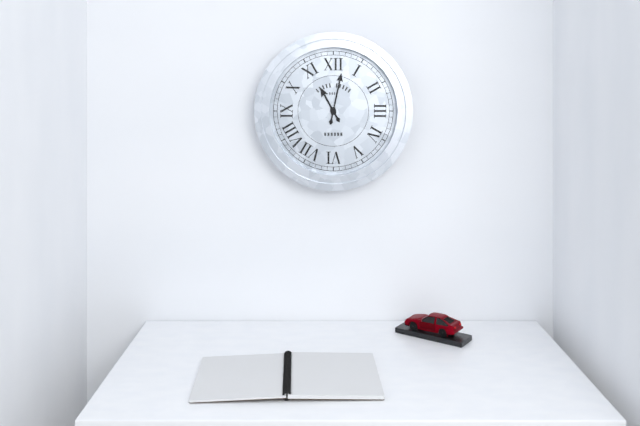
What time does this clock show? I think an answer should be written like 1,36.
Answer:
11,02
